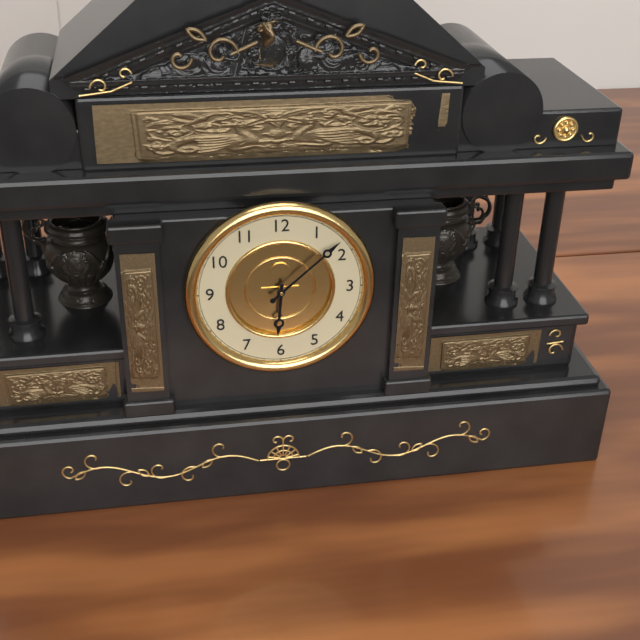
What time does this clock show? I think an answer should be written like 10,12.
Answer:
6,08
